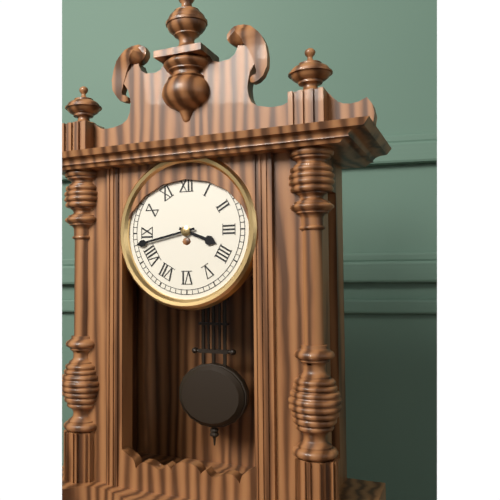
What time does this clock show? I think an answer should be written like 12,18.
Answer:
3,43
